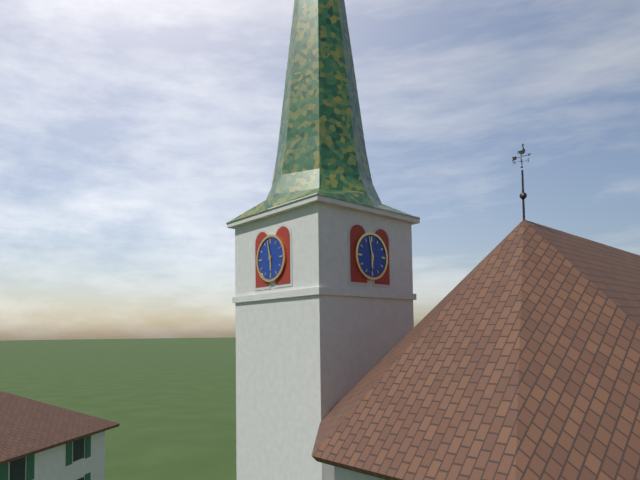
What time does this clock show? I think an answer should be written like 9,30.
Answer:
5,58
